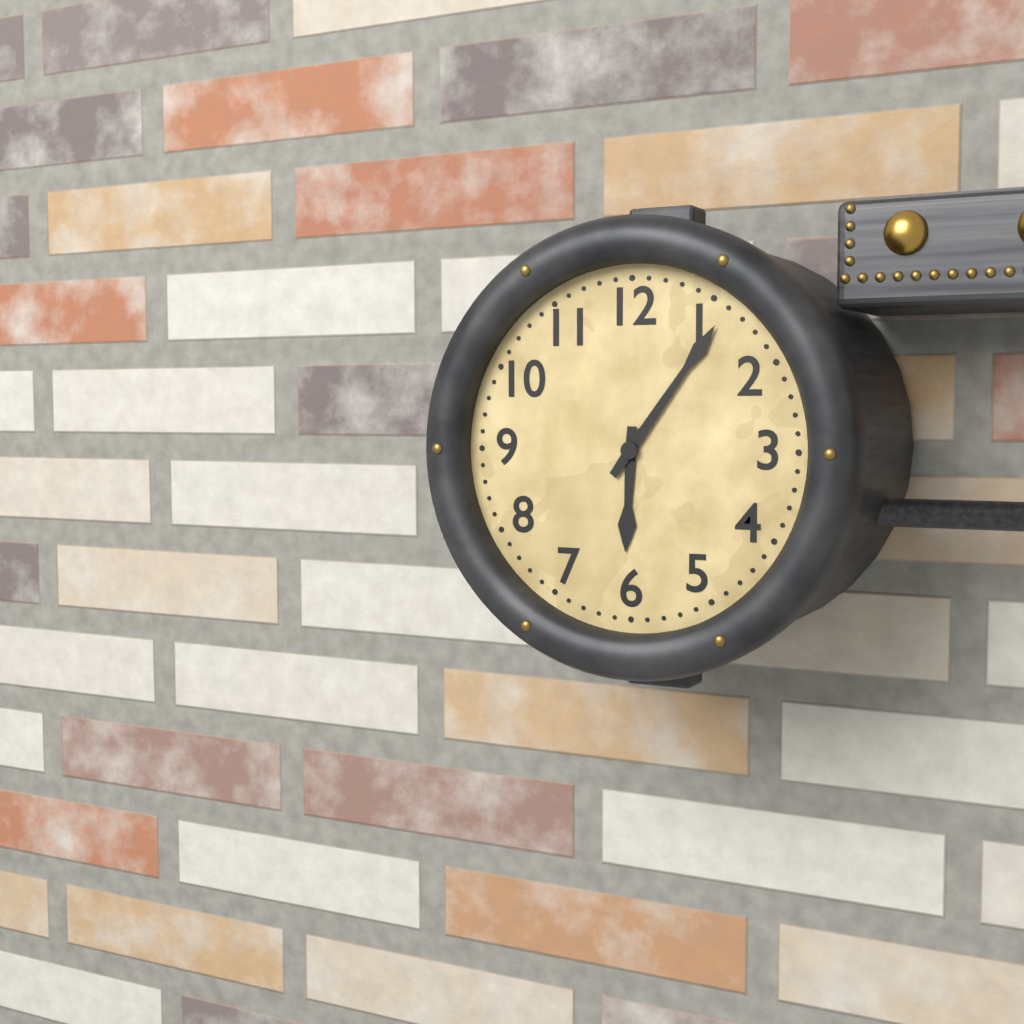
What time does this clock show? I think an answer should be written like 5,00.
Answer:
6,06
